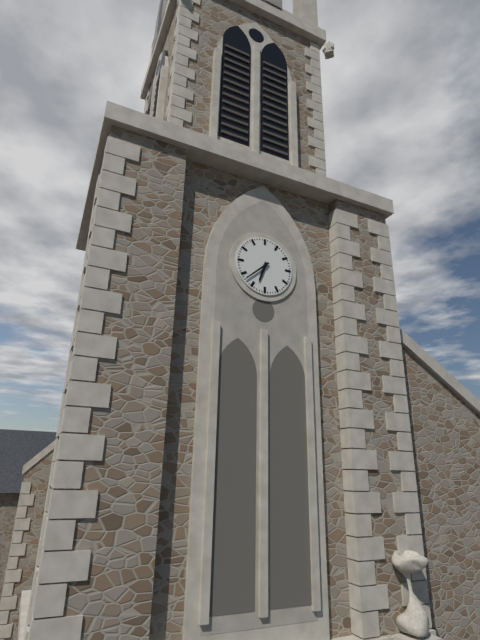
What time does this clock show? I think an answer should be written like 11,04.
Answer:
6,38
